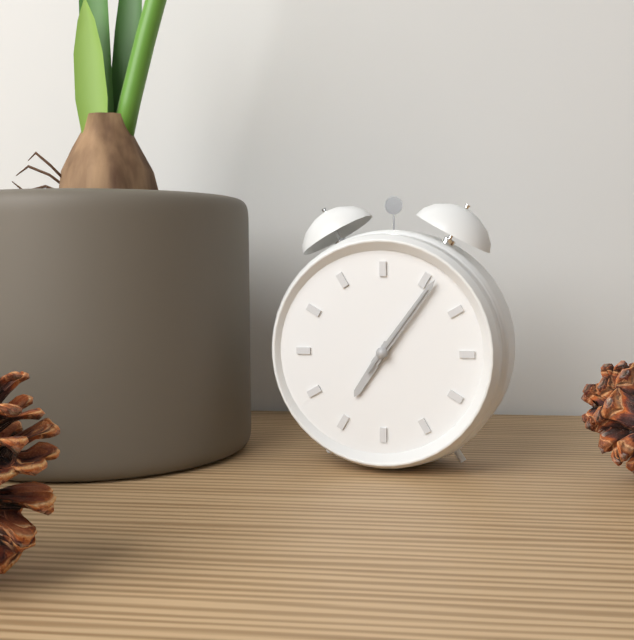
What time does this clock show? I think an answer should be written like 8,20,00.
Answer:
7,06,06
